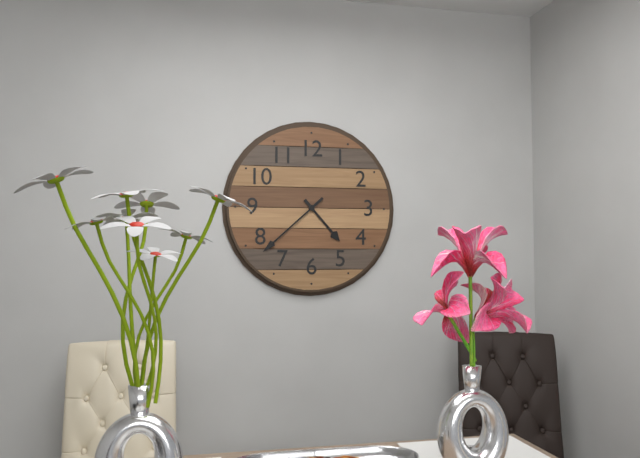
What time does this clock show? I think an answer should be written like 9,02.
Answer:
4,38
